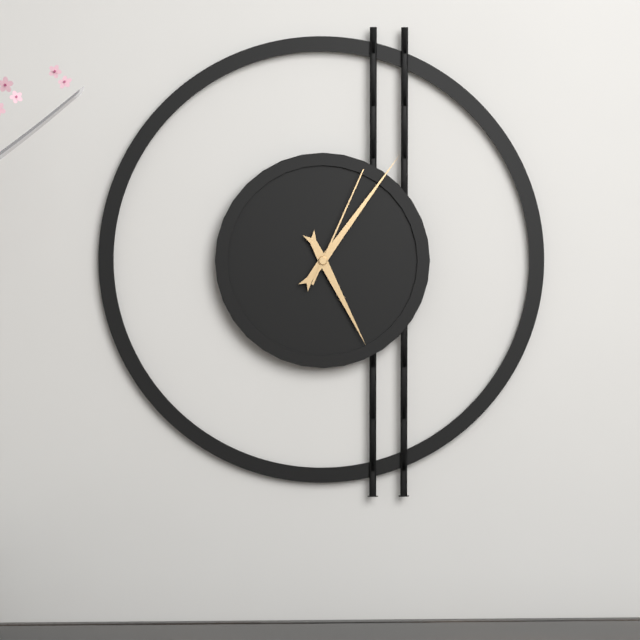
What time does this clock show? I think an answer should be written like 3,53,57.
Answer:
5,06,04
